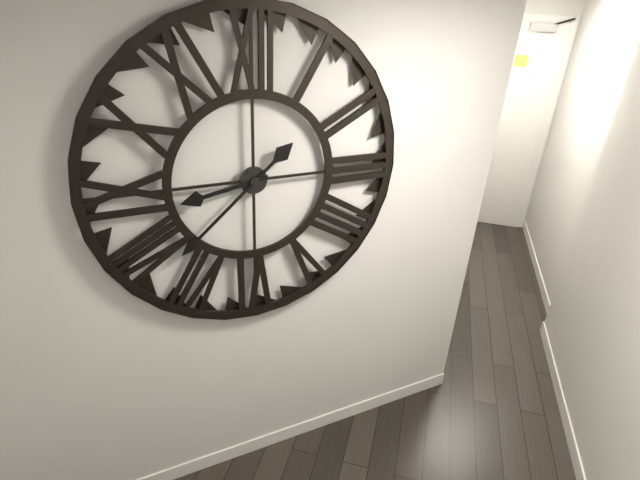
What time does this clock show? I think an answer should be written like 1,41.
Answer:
8,38
